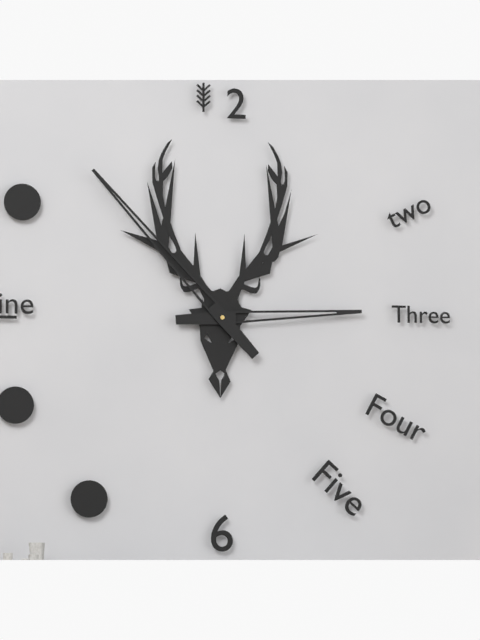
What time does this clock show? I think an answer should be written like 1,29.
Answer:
2,53
